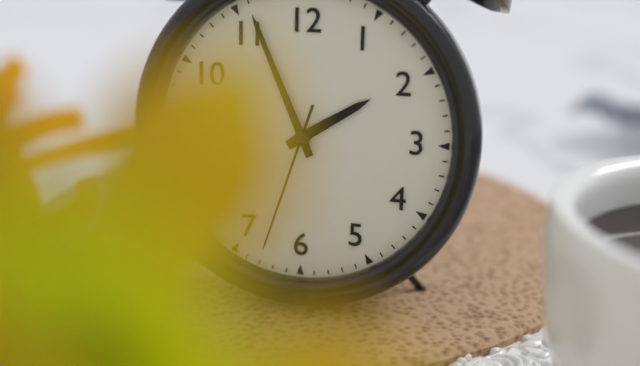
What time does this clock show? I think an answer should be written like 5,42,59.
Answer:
1,56,33
